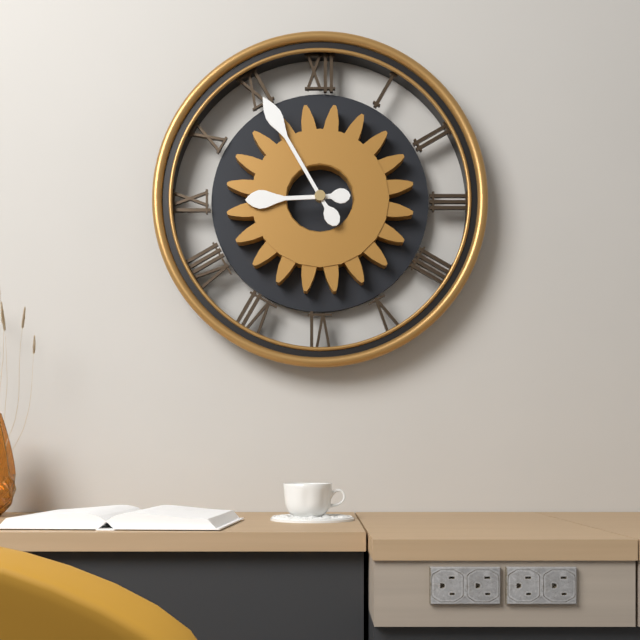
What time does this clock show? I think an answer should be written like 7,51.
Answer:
8,55
